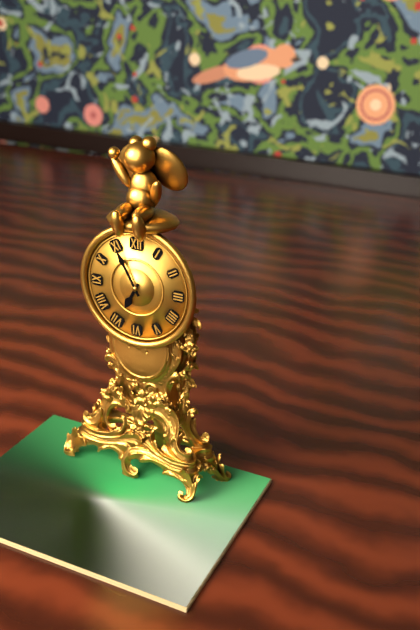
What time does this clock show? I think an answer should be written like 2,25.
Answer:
6,55
